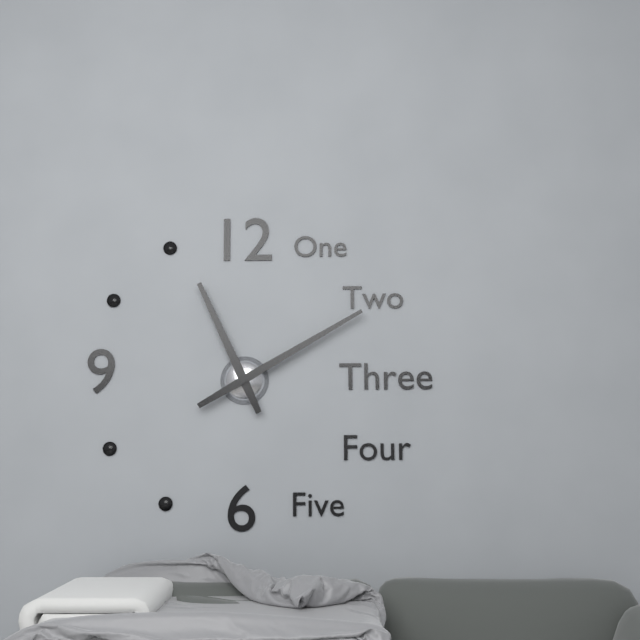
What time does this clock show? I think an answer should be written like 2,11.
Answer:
11,10
